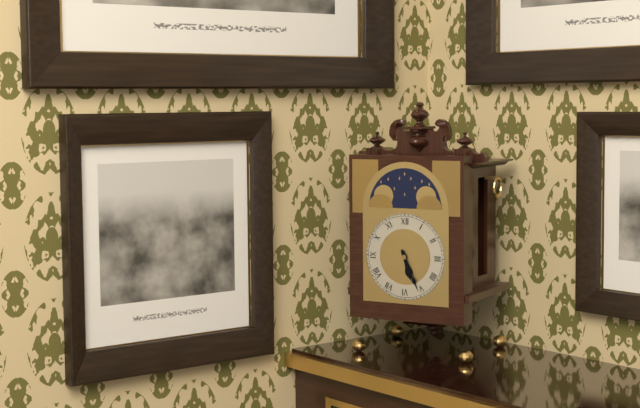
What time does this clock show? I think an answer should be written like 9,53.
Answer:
5,26
